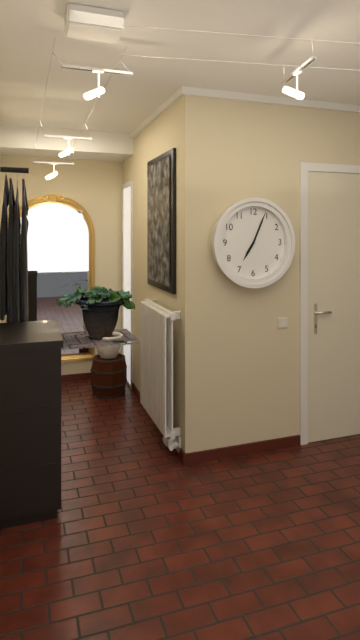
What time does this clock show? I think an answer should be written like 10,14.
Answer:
7,04
